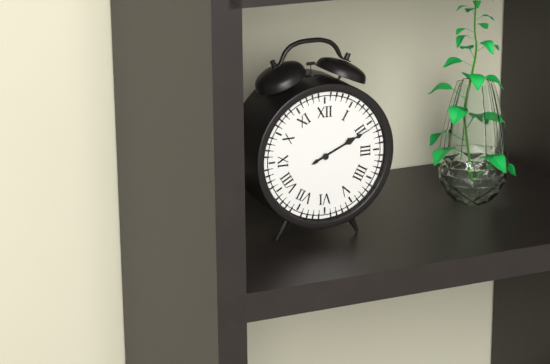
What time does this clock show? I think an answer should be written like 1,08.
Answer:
2,11
